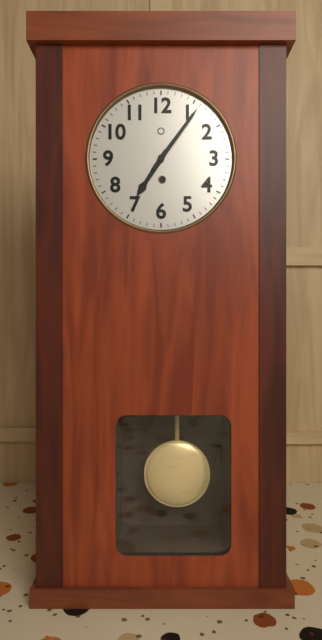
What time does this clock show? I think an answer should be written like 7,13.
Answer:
7,06
